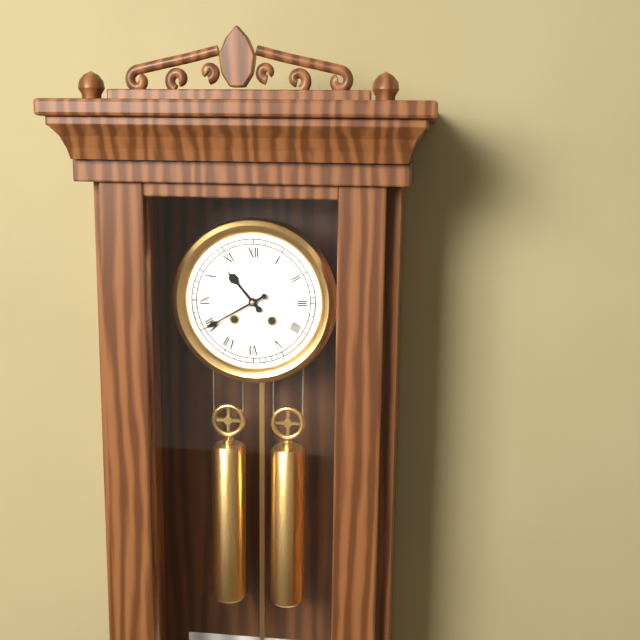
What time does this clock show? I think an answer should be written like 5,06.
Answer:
10,40
